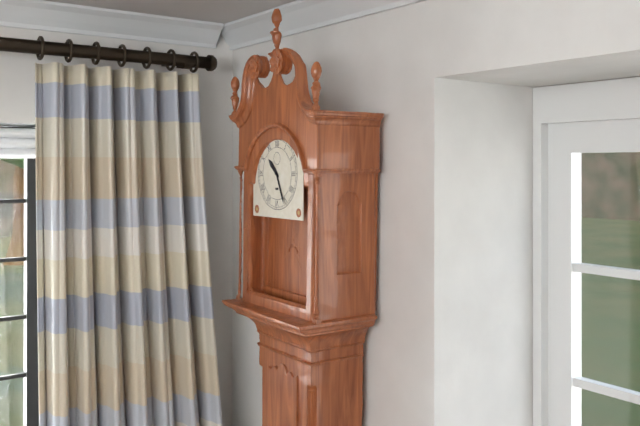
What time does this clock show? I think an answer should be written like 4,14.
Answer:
10,26
